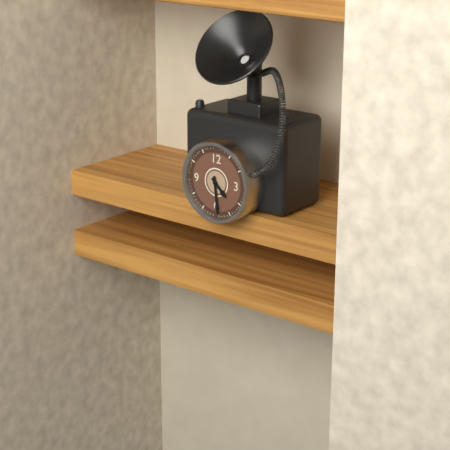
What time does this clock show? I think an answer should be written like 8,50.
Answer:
4,29
